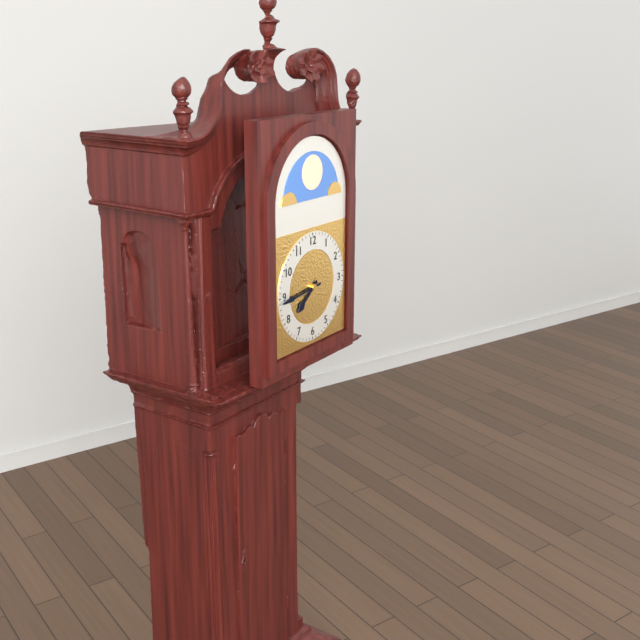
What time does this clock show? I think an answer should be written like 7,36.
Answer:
7,44
